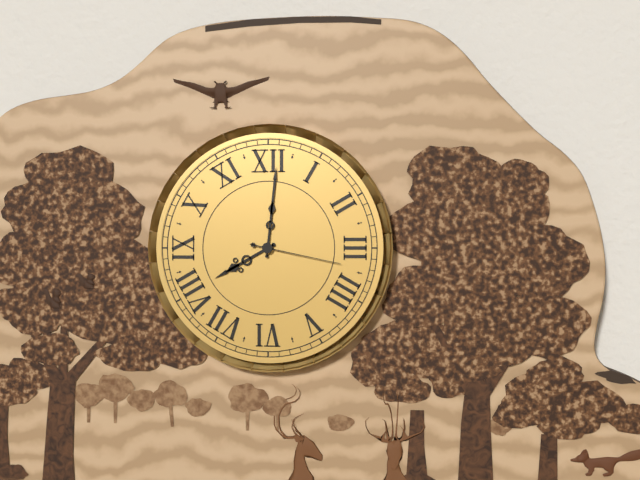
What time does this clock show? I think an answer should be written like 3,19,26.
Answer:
8,01,17
